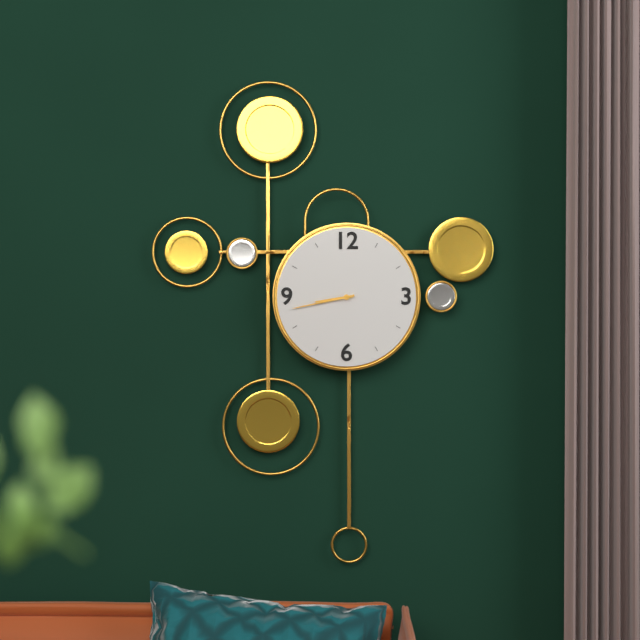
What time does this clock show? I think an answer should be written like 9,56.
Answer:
8,43
